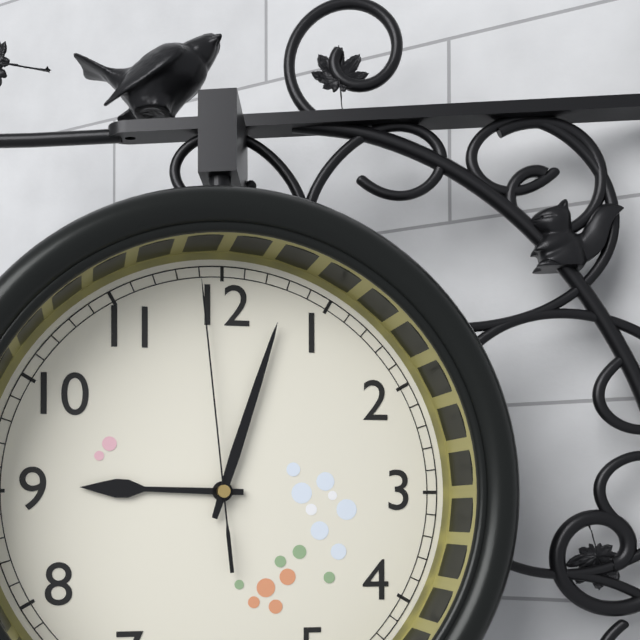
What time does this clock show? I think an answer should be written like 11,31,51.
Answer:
9,03,59
